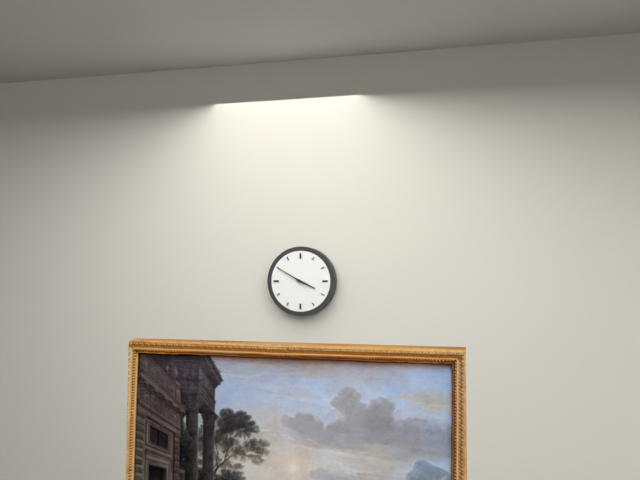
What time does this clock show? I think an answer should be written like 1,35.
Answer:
3,50
